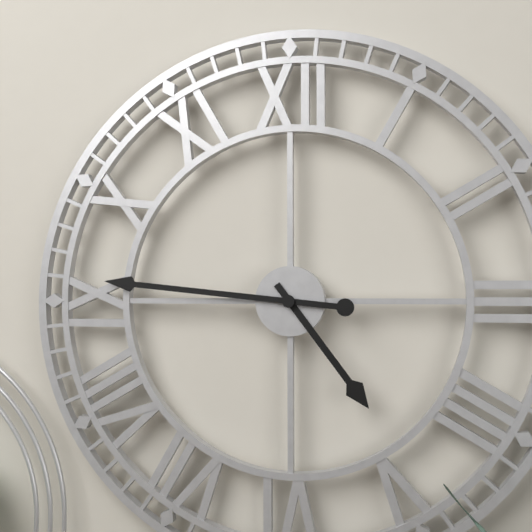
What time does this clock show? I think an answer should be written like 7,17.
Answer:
4,46
